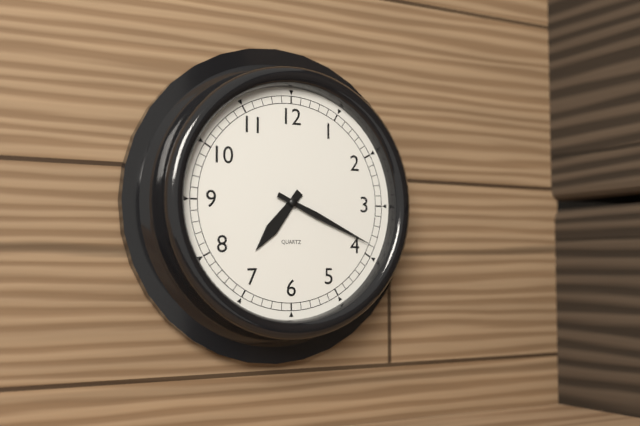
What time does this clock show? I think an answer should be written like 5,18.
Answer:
7,19
